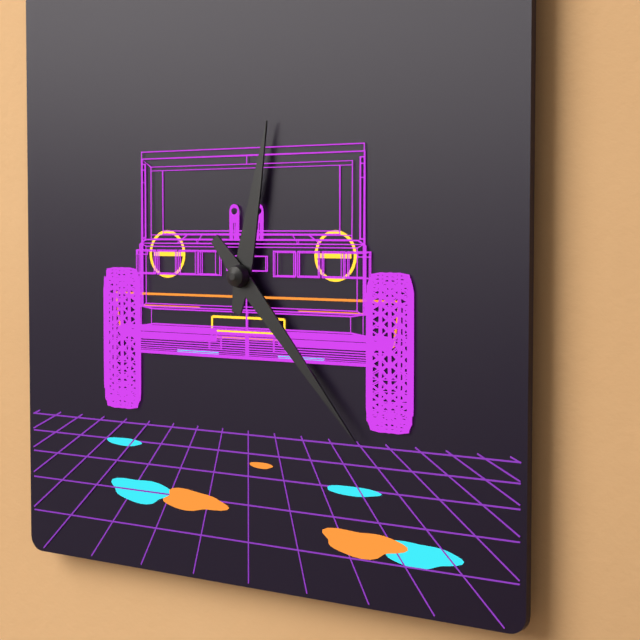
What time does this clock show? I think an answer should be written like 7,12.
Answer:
12,23
